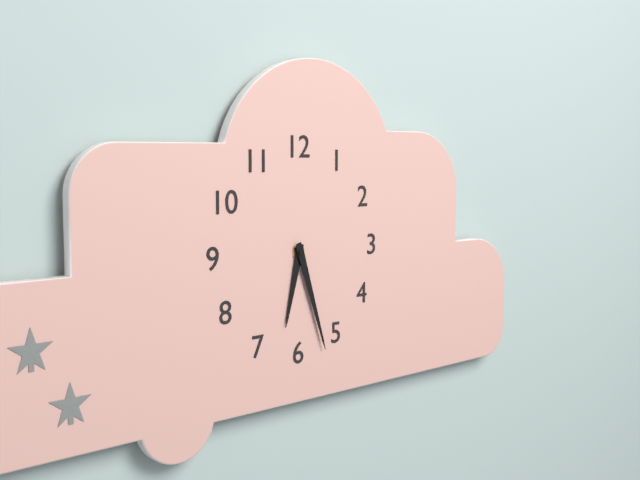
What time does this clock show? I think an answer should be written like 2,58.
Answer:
6,27
